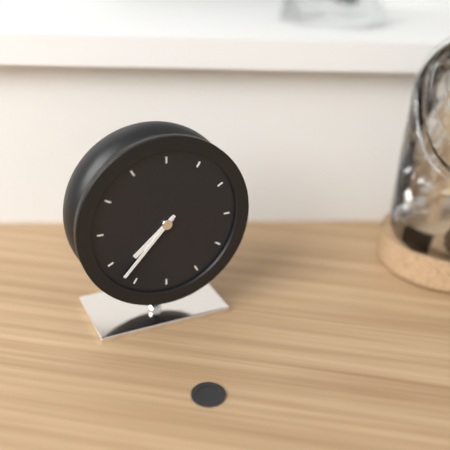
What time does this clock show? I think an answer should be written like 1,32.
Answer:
7,37
